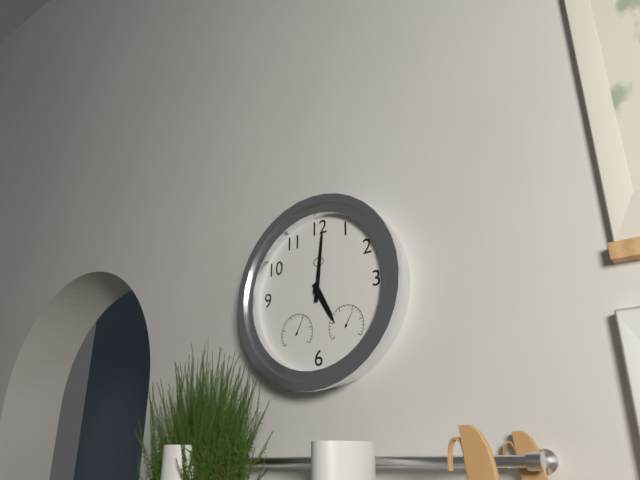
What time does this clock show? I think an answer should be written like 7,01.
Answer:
5,01
